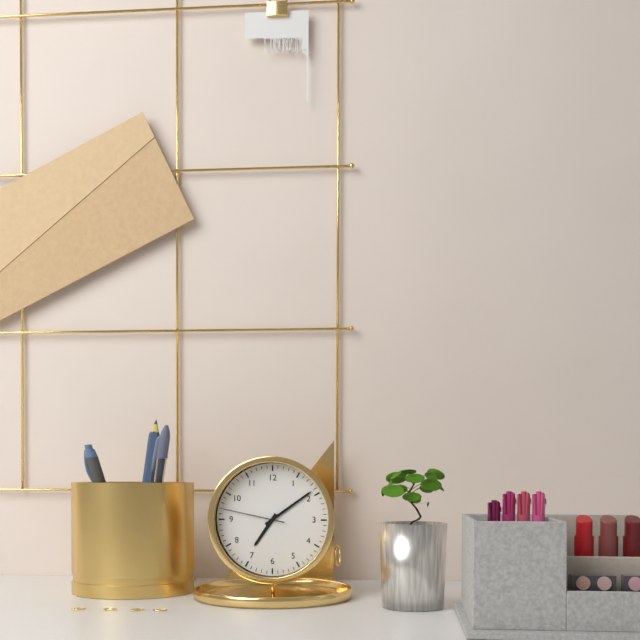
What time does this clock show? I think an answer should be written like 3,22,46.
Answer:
7,09,47
